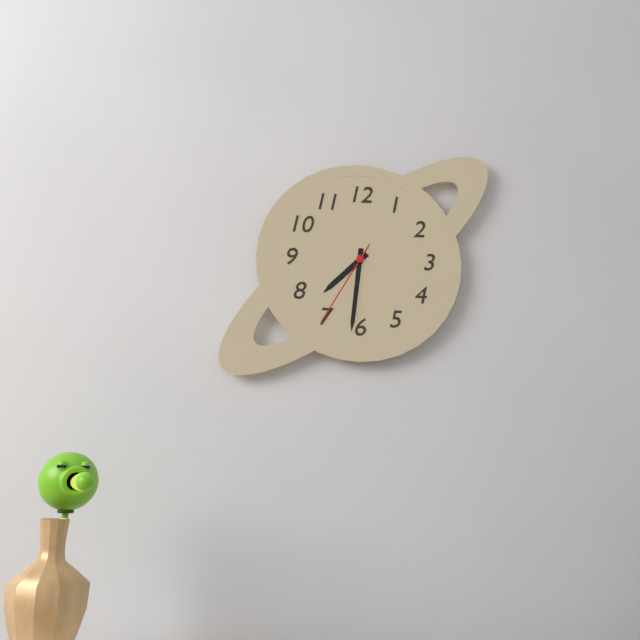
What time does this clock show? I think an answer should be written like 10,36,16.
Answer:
7,31,35
